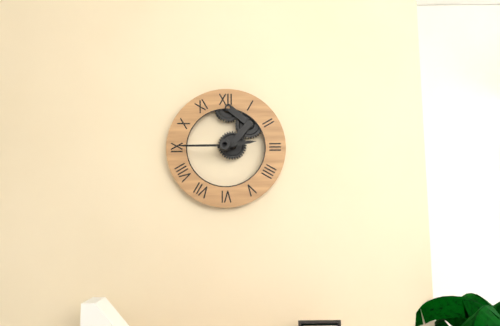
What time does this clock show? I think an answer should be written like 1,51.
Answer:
2,45
